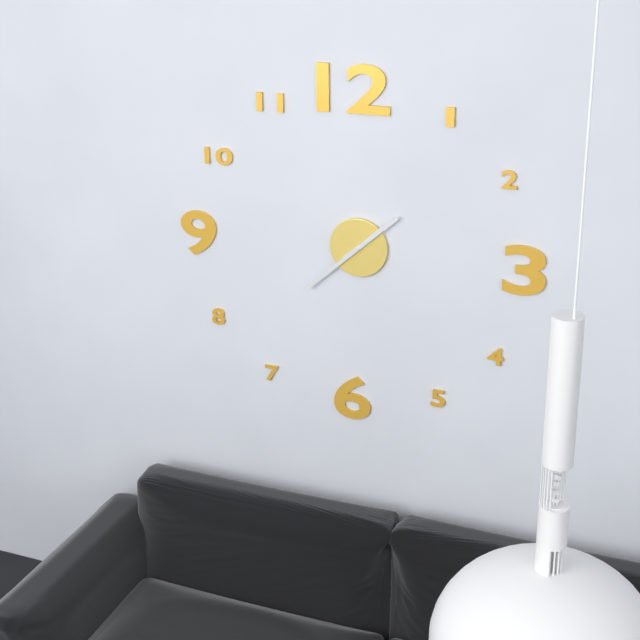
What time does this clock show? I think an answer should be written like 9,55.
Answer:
1,38
